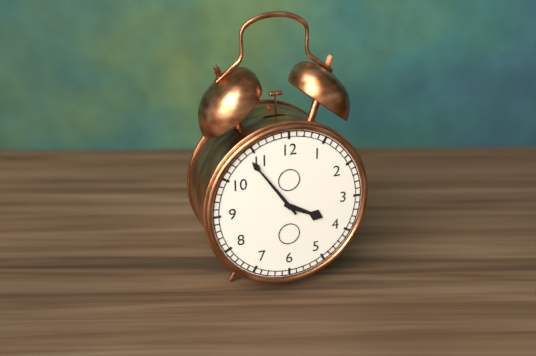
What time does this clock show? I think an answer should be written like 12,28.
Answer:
3,54
